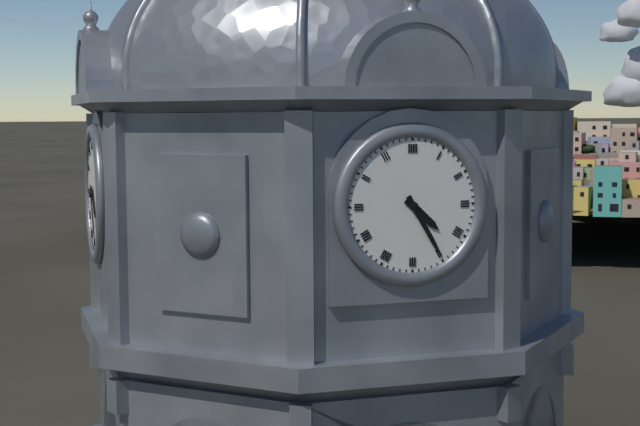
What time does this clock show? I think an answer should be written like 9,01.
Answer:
4,25
